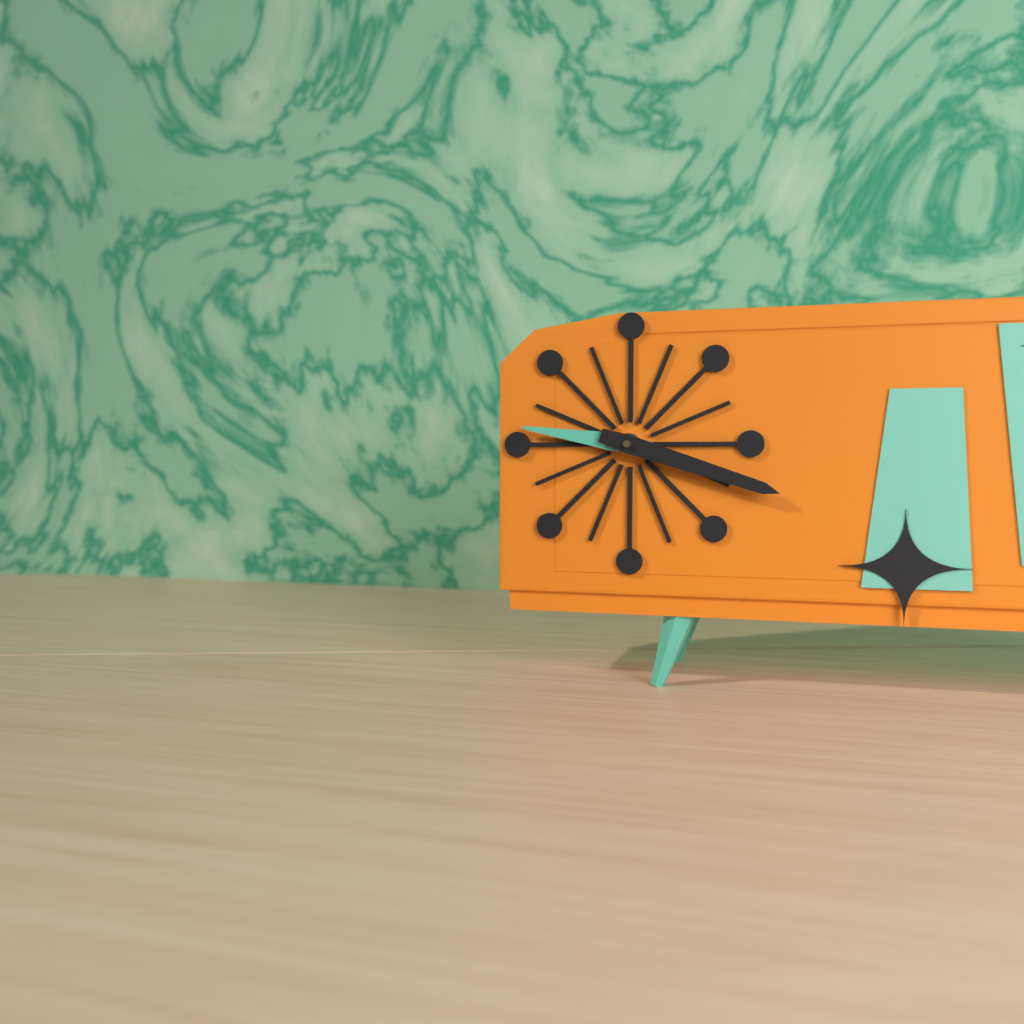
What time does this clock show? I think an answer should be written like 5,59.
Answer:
9,18
